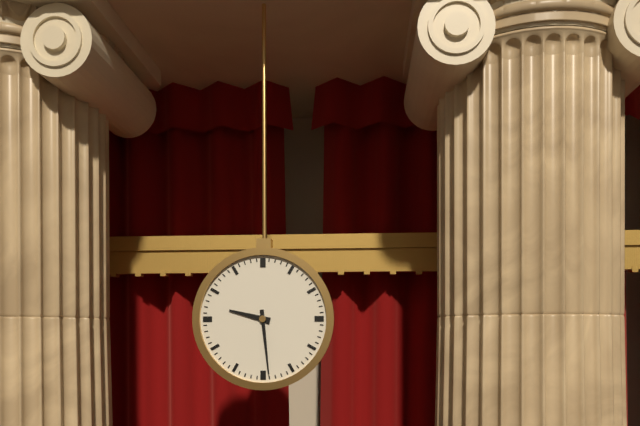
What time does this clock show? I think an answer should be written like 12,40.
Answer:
9,29
